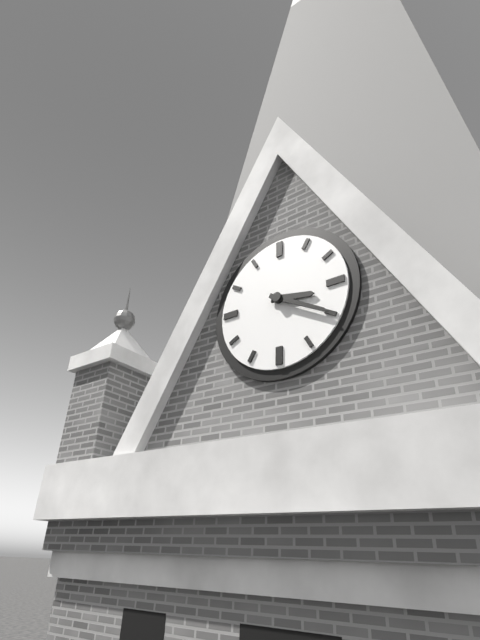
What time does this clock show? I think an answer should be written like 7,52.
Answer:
3,20
